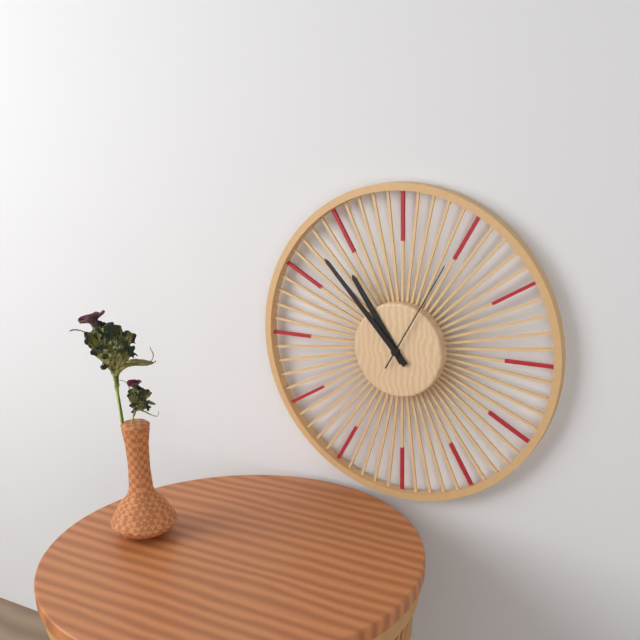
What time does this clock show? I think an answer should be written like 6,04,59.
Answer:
10,53,05
